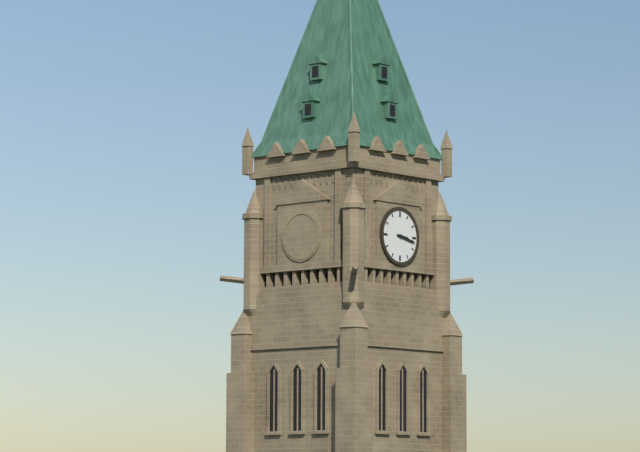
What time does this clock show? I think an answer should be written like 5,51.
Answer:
3,17
